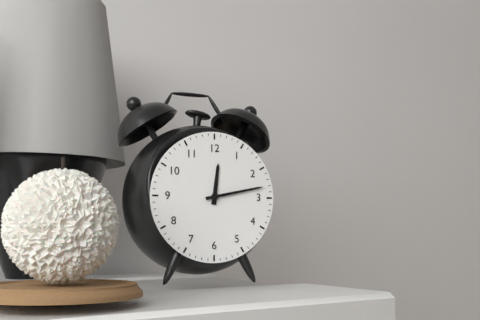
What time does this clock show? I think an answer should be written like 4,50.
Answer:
12,13
